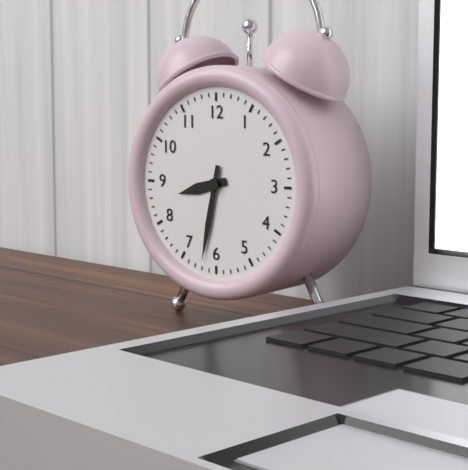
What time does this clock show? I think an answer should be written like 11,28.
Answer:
8,32
